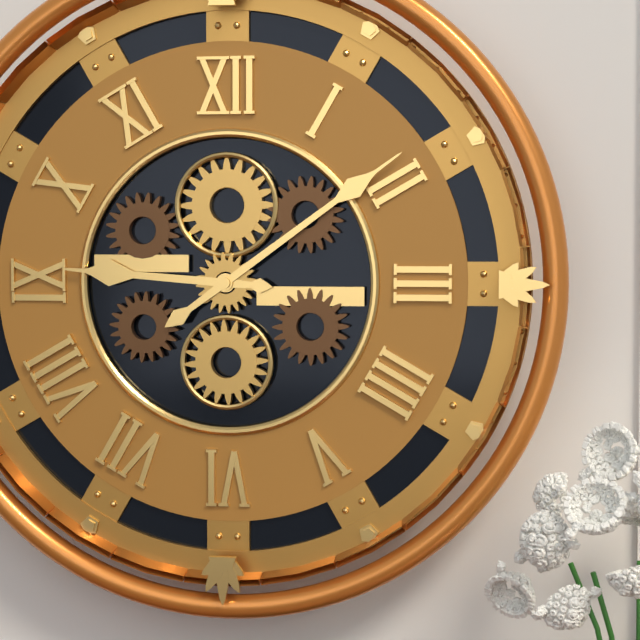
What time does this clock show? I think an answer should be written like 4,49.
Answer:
9,09
